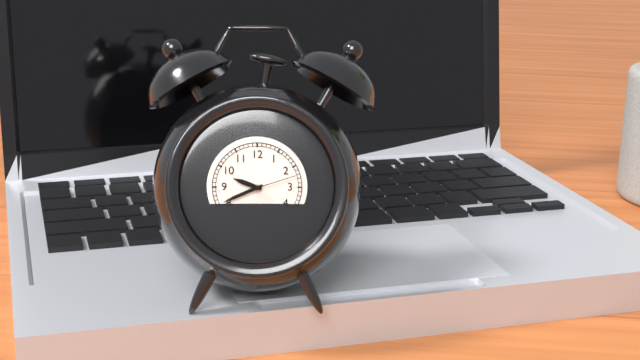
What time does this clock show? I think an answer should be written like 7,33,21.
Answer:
9,41,12
